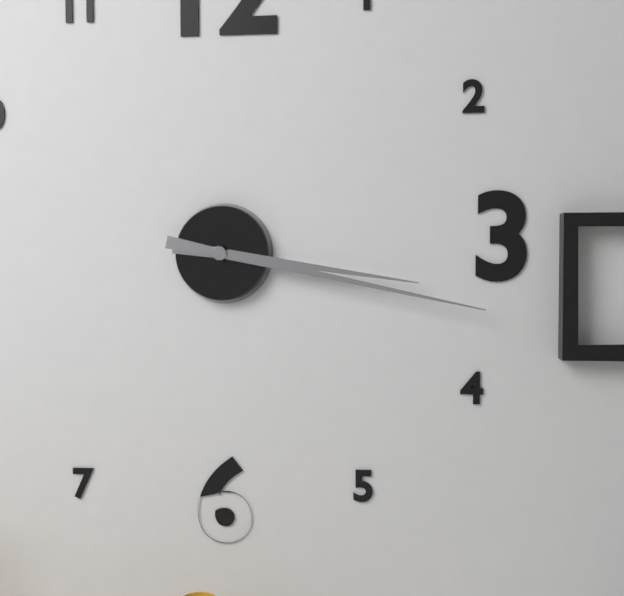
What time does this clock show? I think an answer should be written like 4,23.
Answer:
3,17
